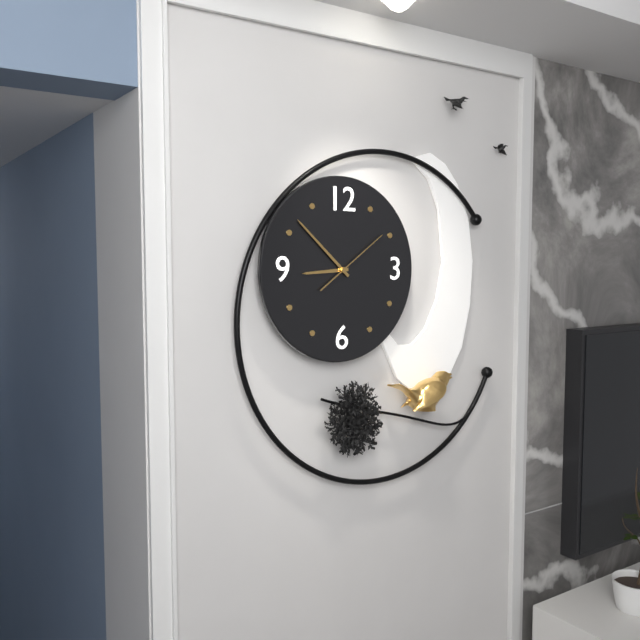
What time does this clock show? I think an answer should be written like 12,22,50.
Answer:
8,52,09
